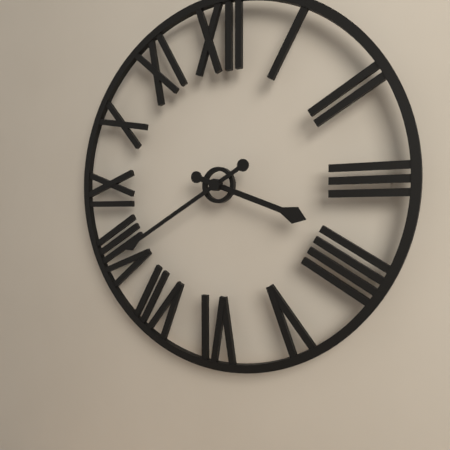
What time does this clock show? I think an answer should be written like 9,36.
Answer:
3,40
